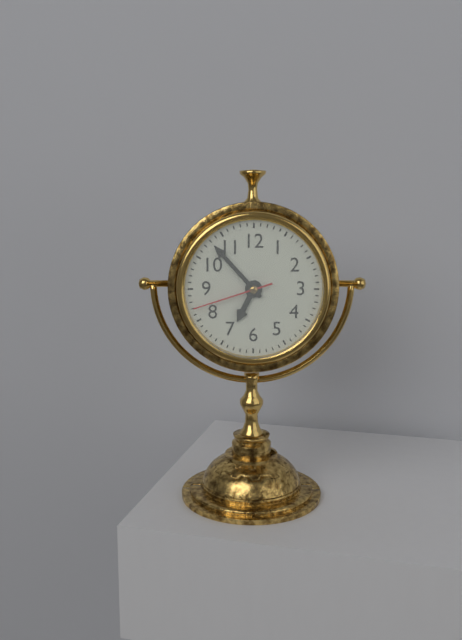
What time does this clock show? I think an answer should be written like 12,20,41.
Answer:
6,53,42
